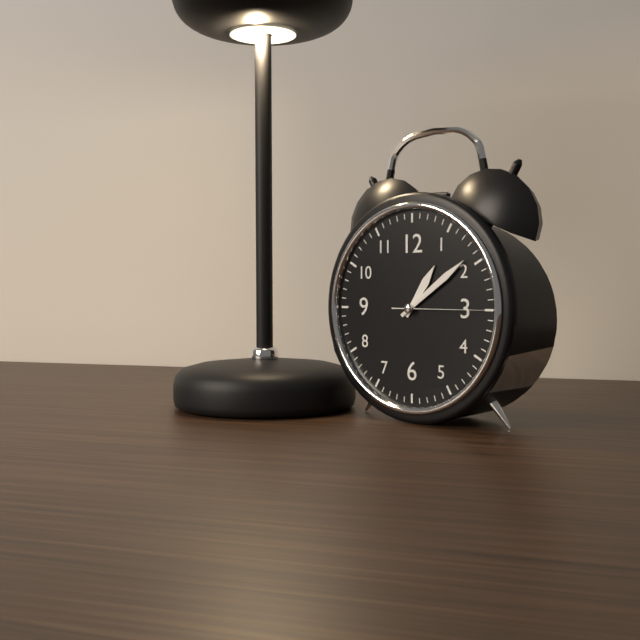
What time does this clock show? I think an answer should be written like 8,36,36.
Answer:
1,09,15
